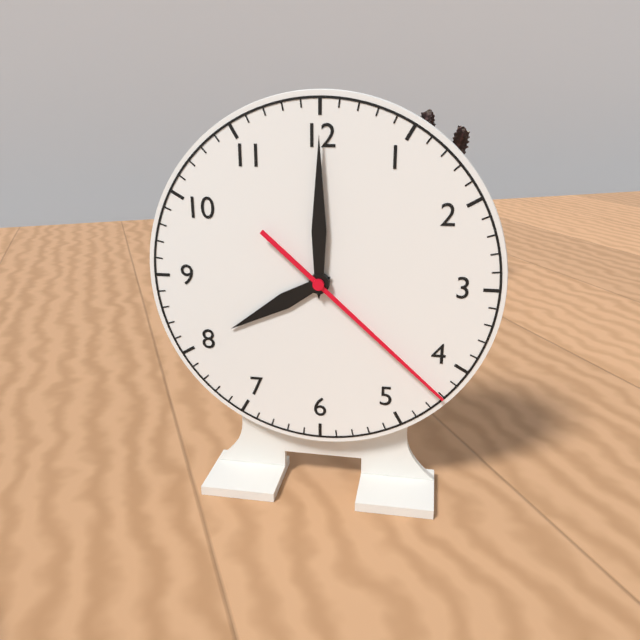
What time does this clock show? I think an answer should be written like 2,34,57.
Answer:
8,00,22
